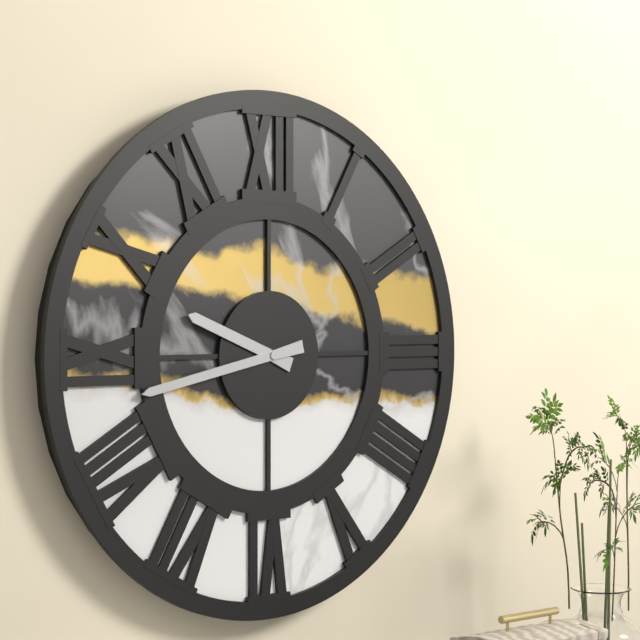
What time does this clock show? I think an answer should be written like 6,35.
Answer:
9,43
